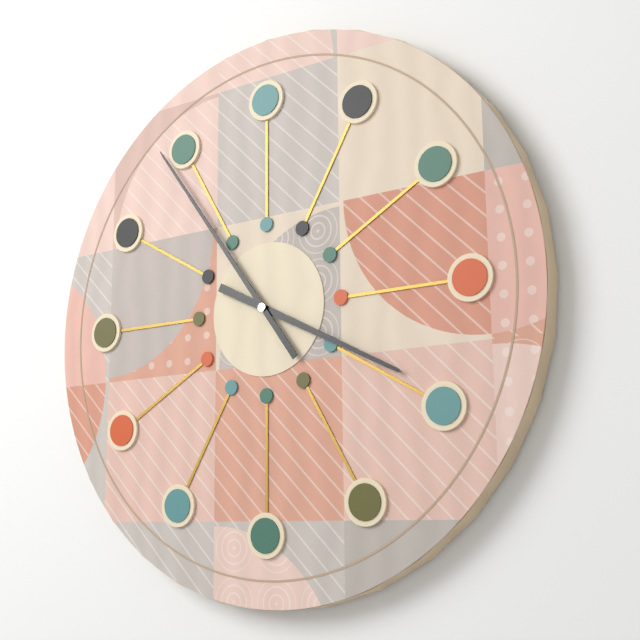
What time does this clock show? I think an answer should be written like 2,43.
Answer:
3,54
